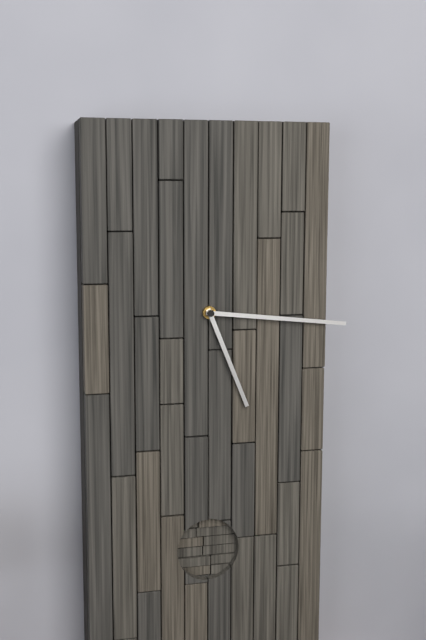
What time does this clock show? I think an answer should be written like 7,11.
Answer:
5,16
